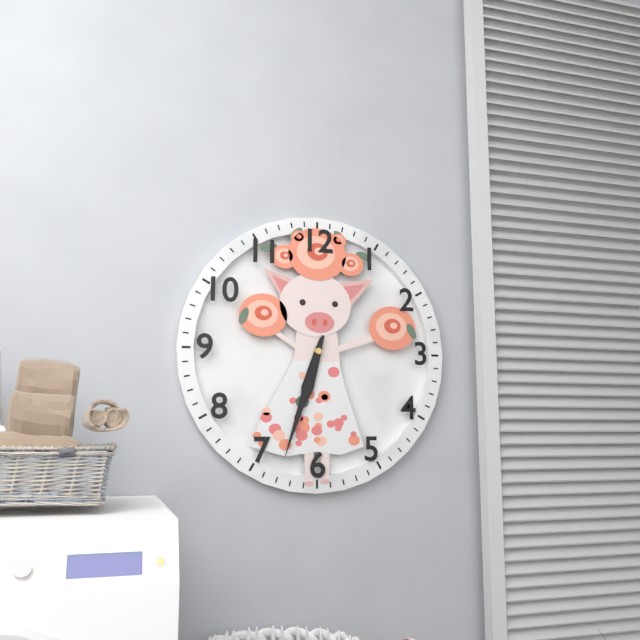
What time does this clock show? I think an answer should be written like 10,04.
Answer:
6,33
